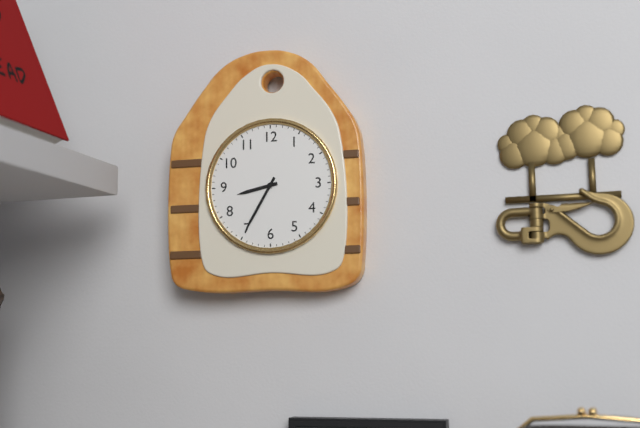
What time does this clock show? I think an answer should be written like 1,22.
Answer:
8,35
